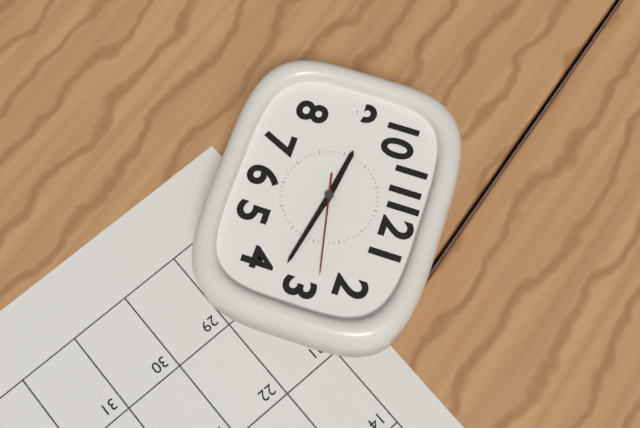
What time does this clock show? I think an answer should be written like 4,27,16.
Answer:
9,17,13
